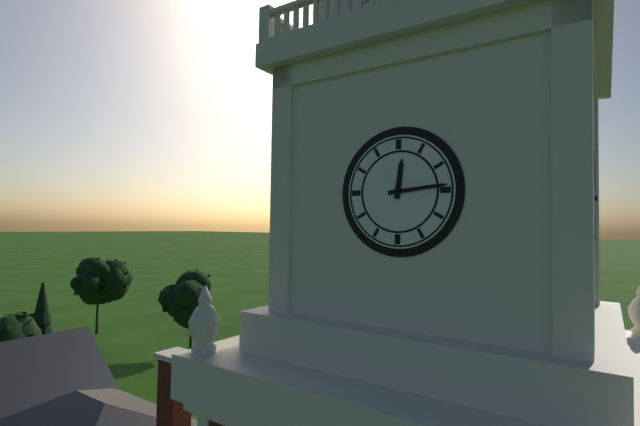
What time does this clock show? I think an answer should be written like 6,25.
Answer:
12,14
